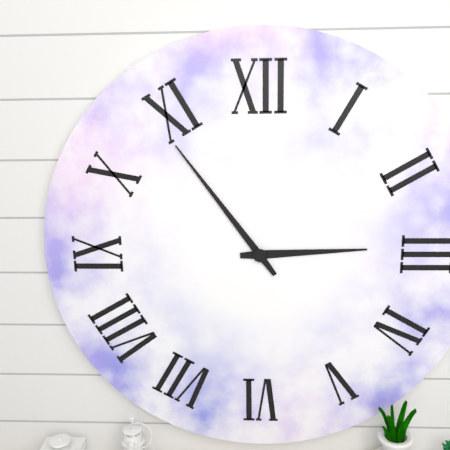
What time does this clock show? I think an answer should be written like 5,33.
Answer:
2,54
